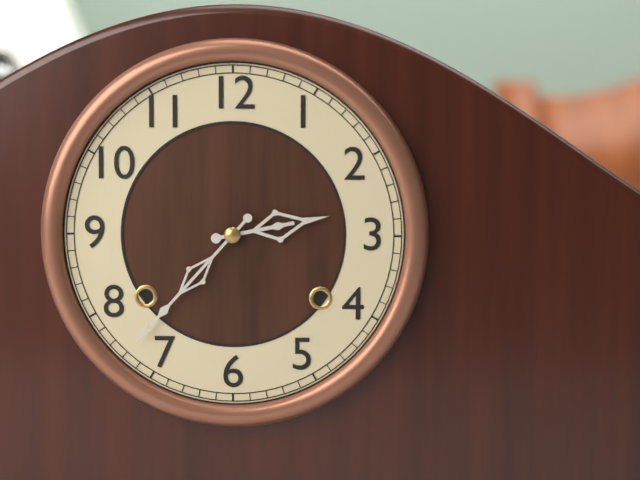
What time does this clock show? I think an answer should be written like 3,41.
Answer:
2,37
